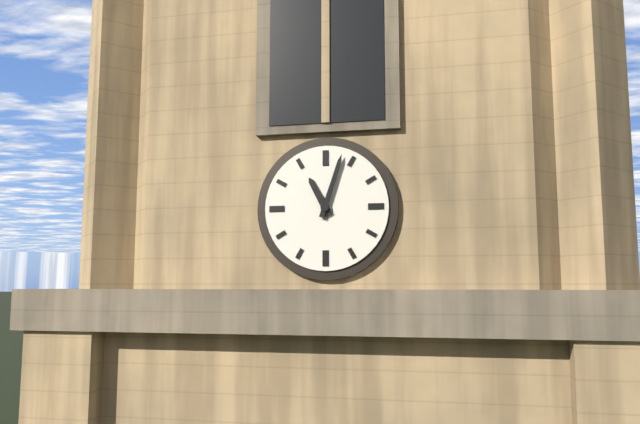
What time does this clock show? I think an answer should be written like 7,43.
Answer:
11,03
